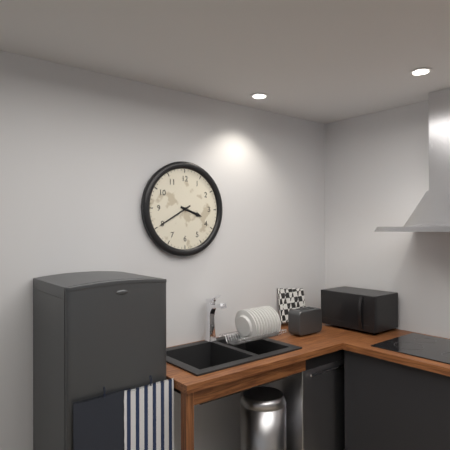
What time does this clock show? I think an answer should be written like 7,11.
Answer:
3,40
